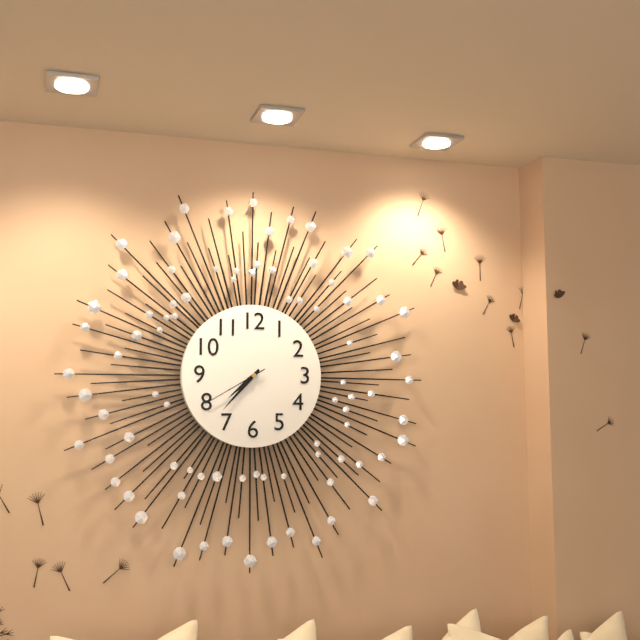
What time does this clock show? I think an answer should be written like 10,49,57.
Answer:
7,37,40
